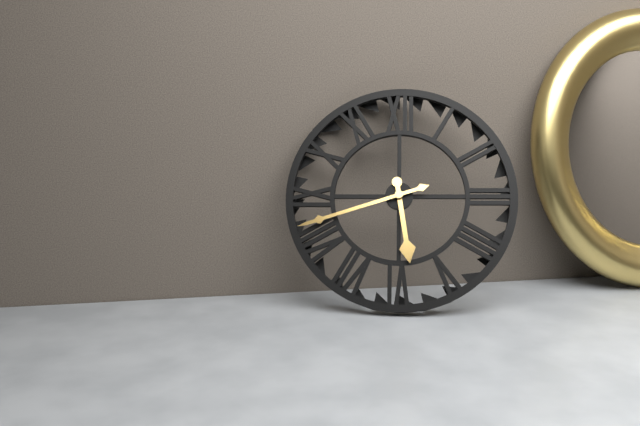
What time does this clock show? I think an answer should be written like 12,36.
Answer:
5,42
